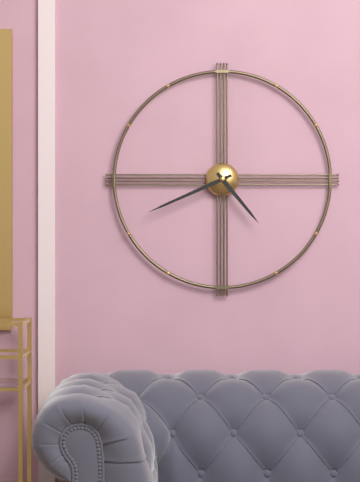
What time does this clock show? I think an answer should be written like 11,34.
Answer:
4,41
